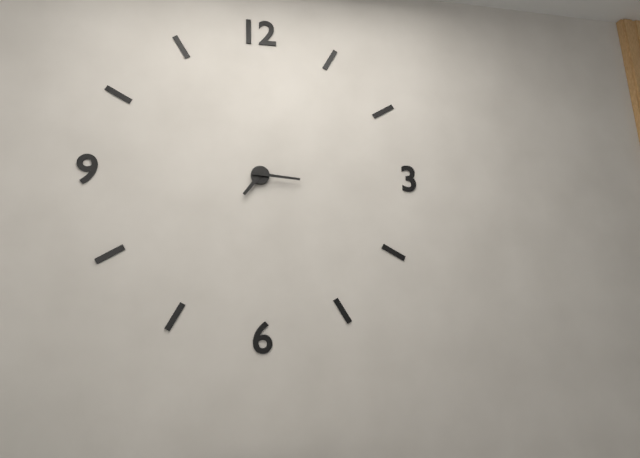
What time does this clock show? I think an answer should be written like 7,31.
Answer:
7,16
